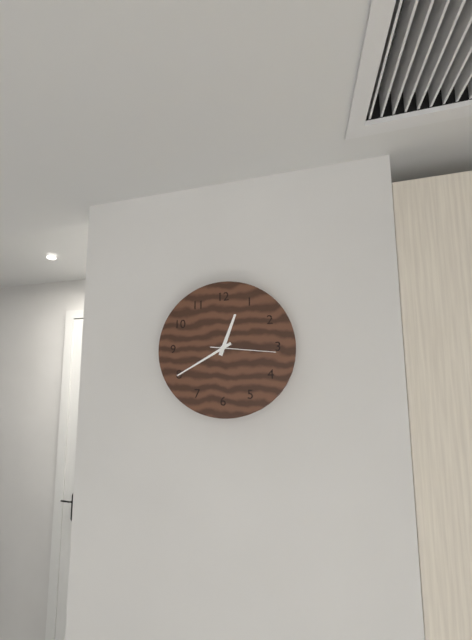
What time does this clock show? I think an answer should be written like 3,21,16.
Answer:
12,40,16
